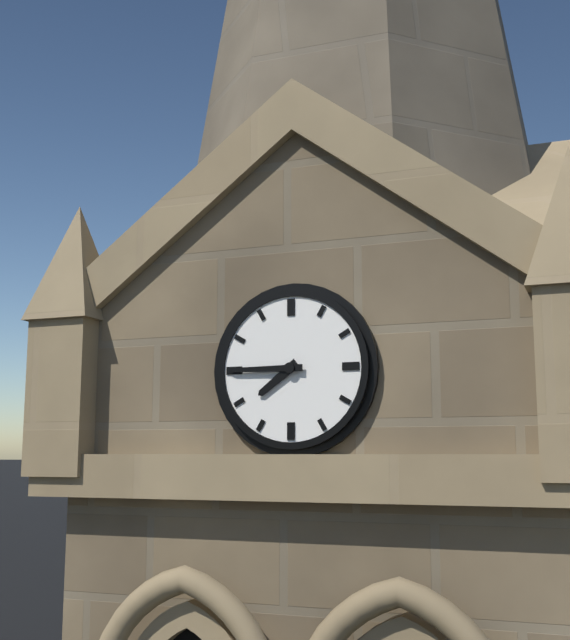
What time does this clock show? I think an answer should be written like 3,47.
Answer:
7,45
